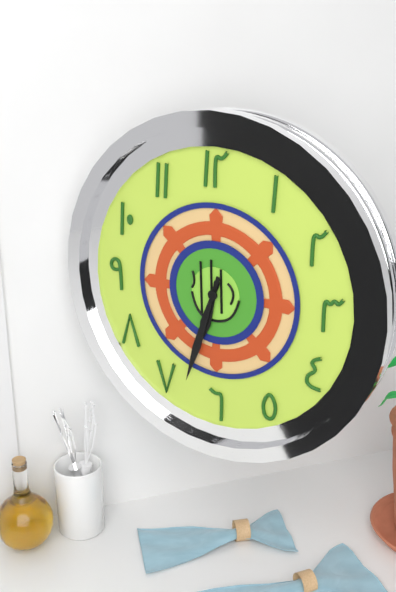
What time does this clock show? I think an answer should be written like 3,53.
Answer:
6,33
